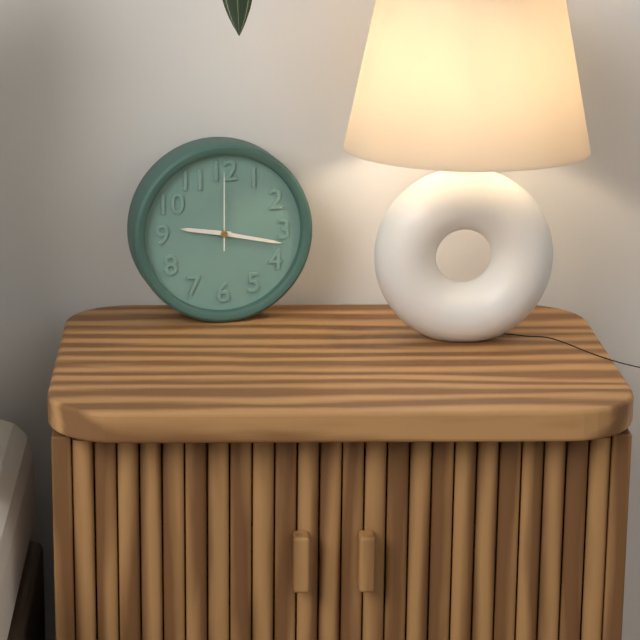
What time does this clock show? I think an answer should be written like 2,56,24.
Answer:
9,17,00
